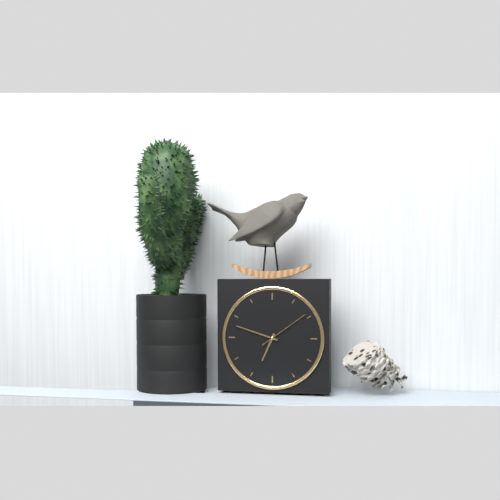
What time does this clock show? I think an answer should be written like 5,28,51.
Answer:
6,48,09
